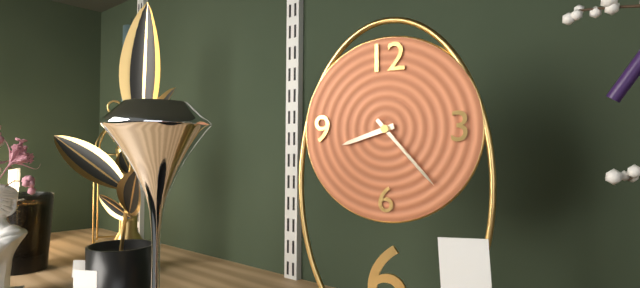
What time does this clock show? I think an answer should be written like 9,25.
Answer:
8,23
